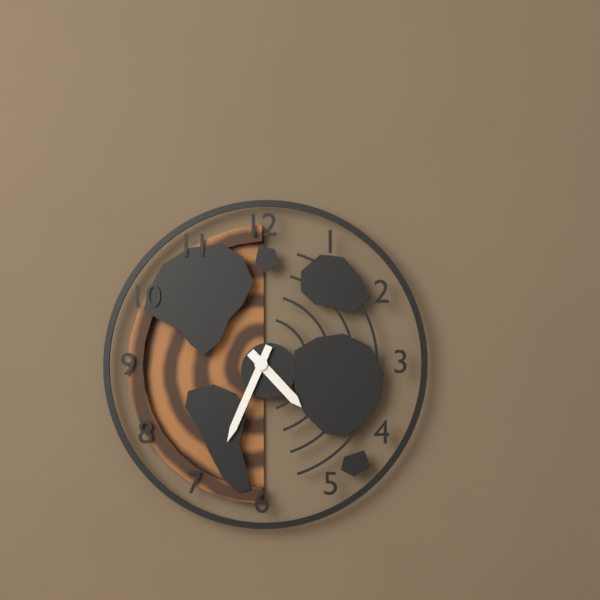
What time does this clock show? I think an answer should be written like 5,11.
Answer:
4,34
